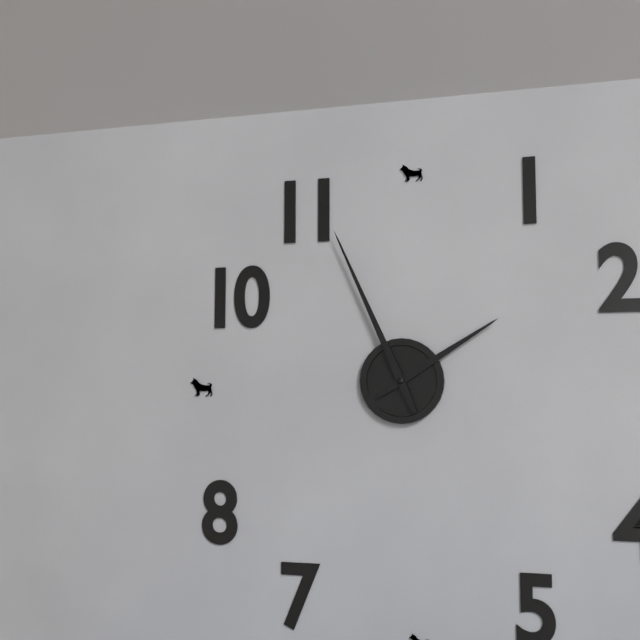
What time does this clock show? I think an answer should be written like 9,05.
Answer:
1,56
